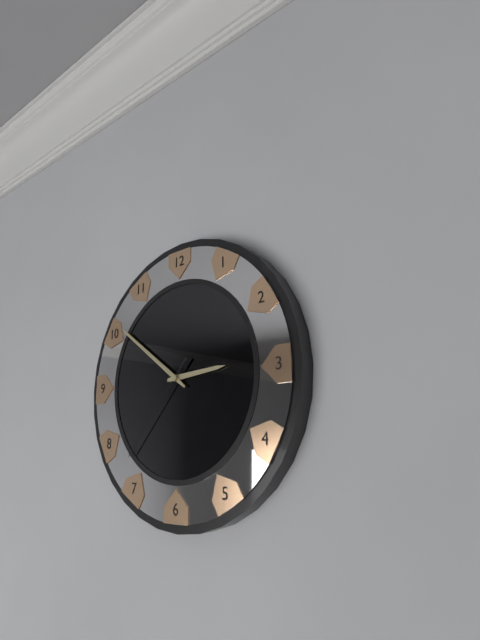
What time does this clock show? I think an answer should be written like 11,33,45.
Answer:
2,51,37
